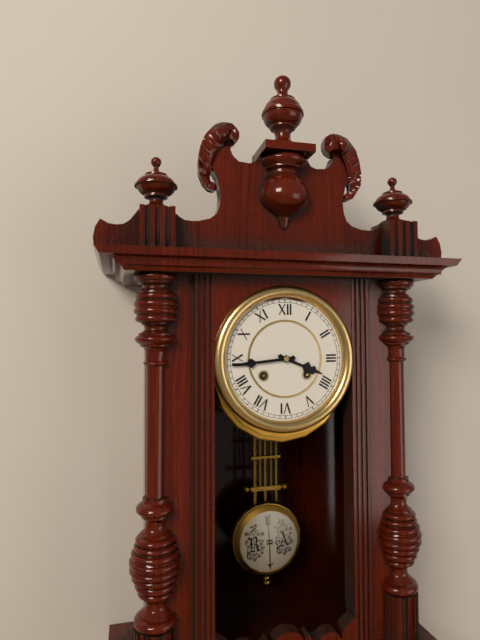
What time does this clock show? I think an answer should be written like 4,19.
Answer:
3,44
